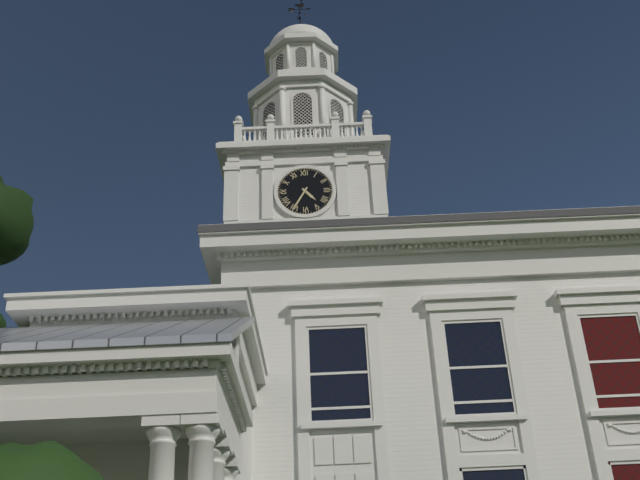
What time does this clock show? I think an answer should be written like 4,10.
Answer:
4,35
